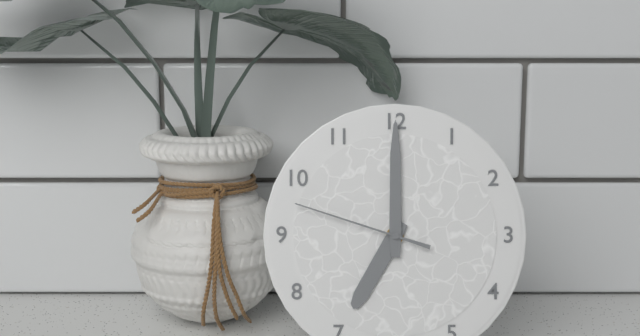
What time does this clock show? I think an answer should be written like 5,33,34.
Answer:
7,00,48
